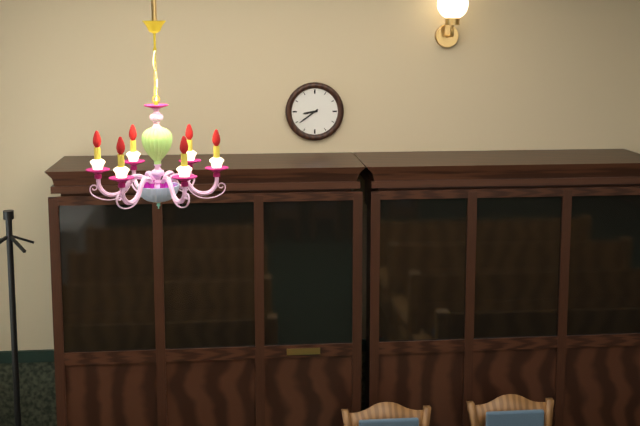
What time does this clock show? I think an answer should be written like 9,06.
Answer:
8,39
